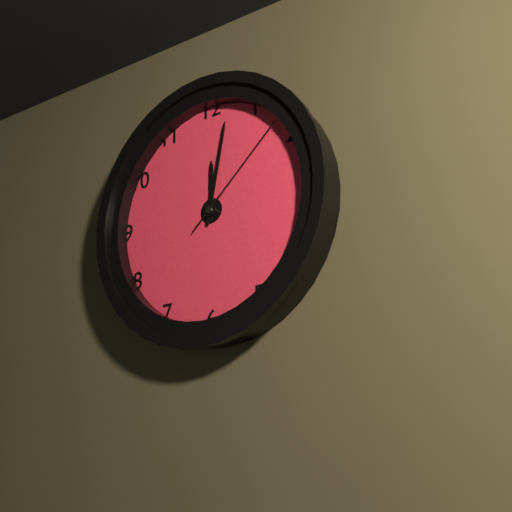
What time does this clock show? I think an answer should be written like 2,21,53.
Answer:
12,02,08
